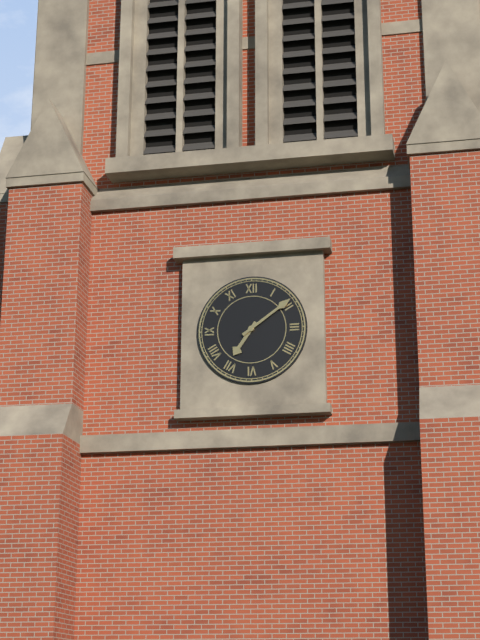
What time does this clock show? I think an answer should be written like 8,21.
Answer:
7,09
